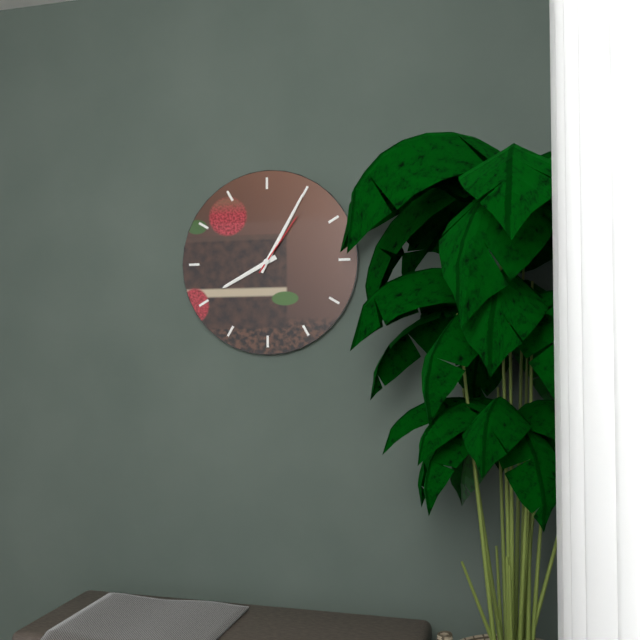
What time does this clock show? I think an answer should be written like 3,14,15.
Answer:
8,05,06
